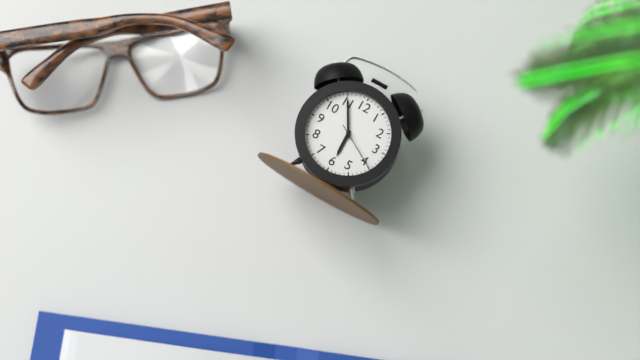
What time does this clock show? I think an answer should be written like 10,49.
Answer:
5,55
